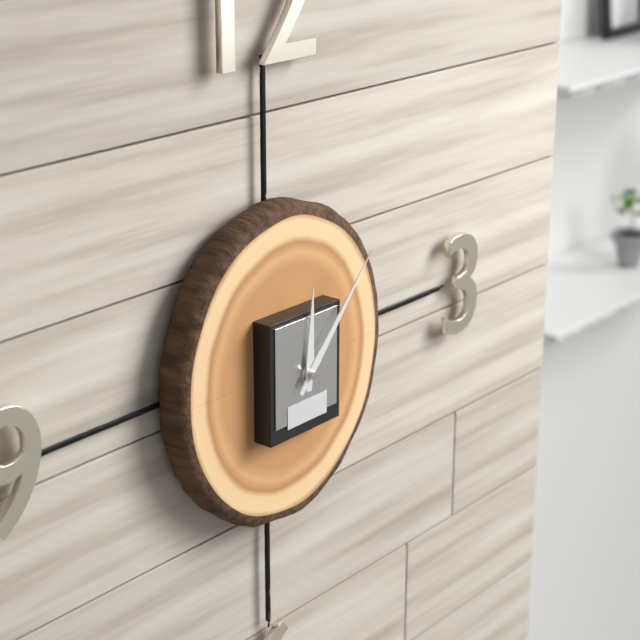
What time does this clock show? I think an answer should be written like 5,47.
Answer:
12,07
